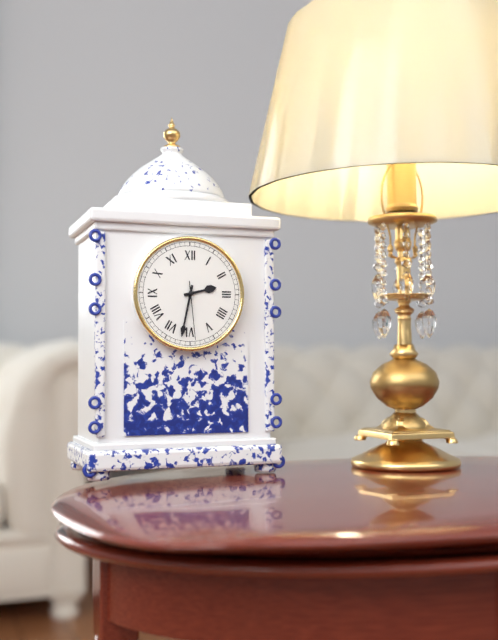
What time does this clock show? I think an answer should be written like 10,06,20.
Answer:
2,32,29
